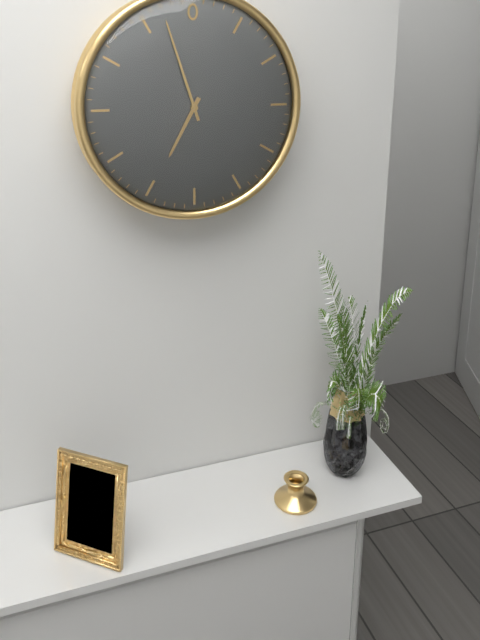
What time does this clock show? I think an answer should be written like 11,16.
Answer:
6,57
